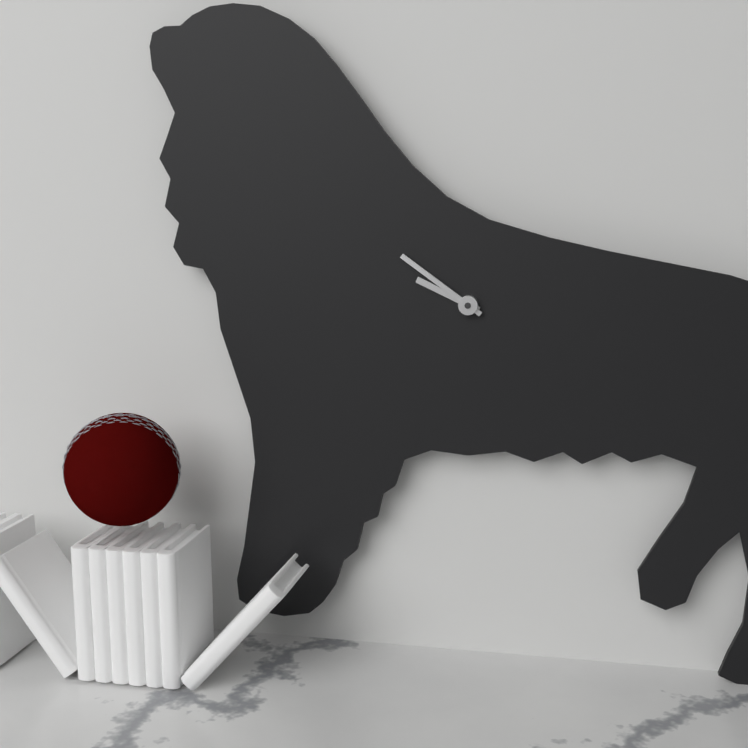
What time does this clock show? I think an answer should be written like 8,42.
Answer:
9,51
